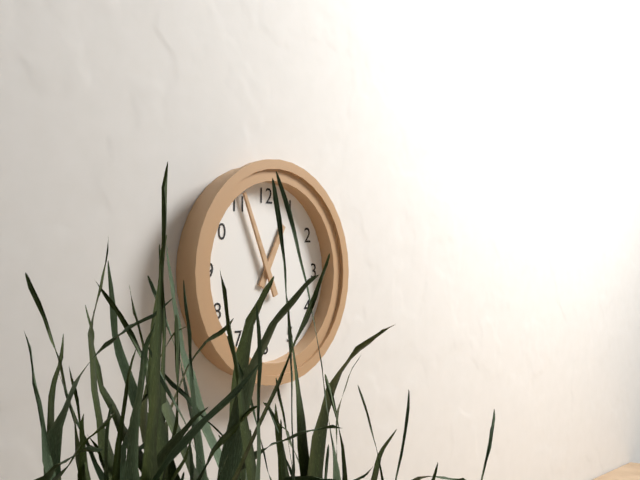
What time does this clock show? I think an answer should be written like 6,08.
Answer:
12,56
